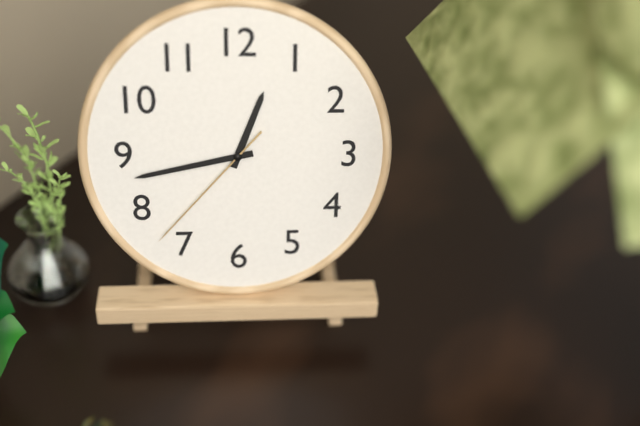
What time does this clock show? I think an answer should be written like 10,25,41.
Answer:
12,43,37
